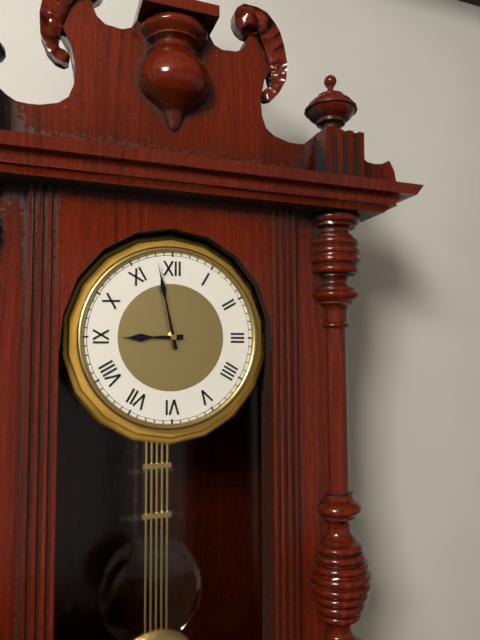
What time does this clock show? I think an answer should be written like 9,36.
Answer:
8,58
